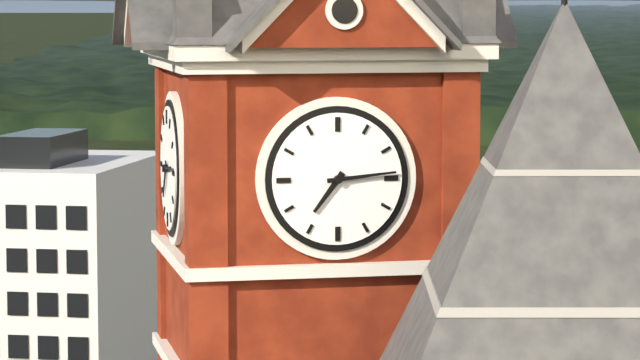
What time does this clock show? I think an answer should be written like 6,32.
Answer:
7,14
